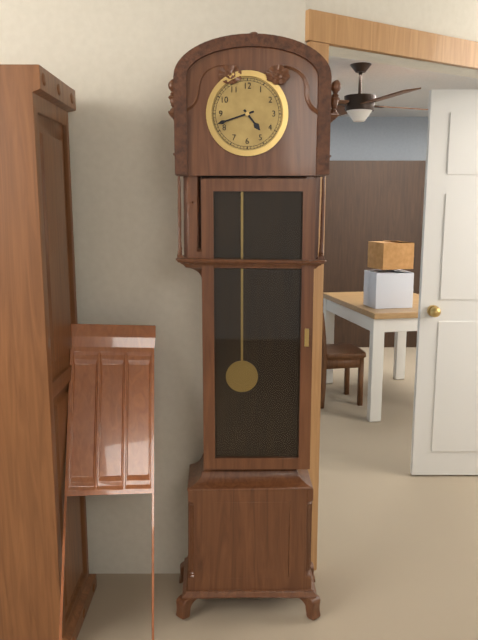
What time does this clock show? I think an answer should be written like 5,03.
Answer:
4,42
